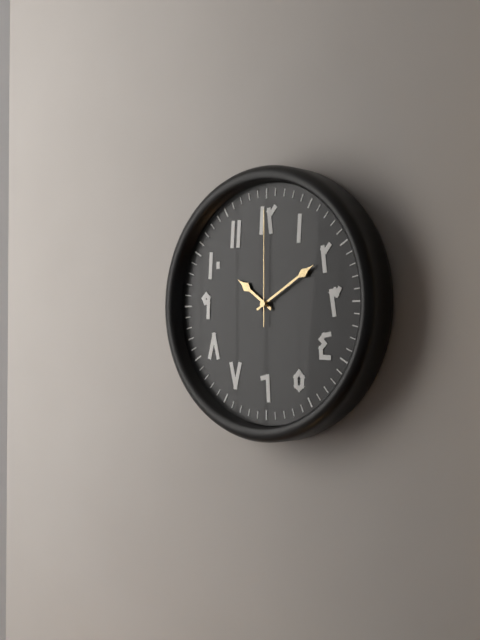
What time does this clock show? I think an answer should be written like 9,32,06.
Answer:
10,10,00
